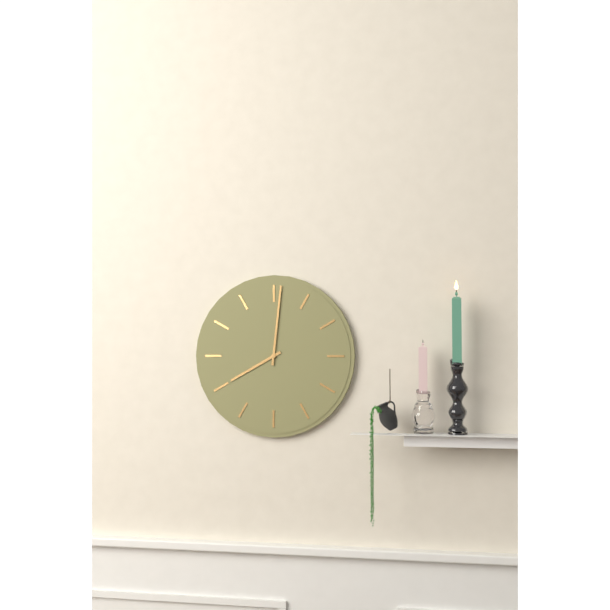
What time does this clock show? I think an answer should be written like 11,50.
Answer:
8,01
